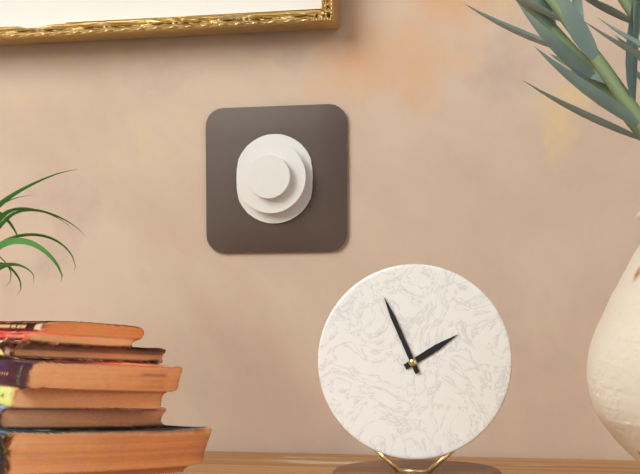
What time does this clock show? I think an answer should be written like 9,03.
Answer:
1,56
